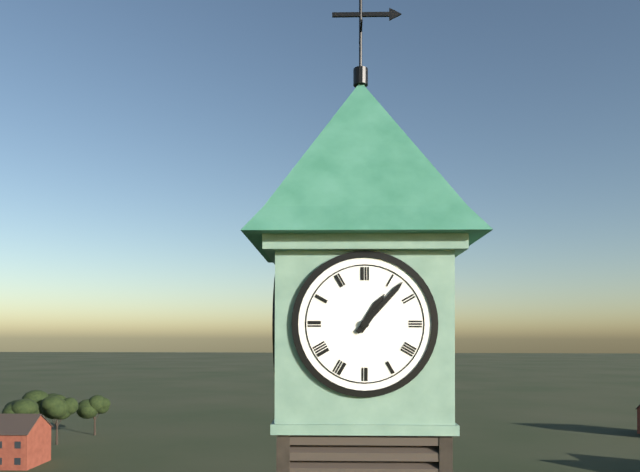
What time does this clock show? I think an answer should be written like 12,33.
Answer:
1,07
